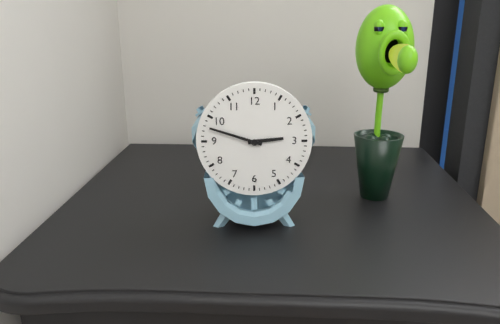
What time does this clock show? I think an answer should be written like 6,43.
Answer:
2,48
